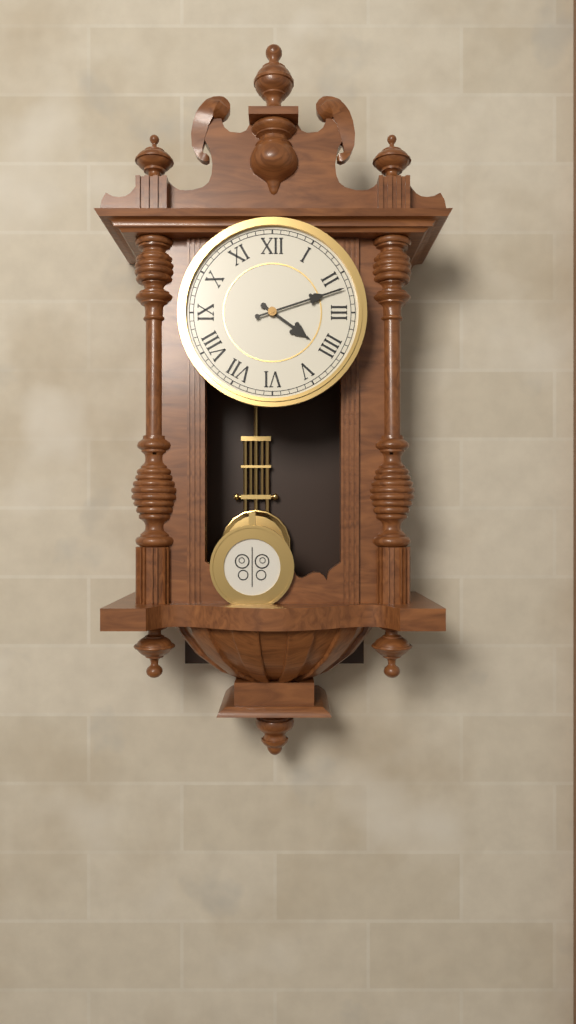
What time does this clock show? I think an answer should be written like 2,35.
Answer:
4,12
